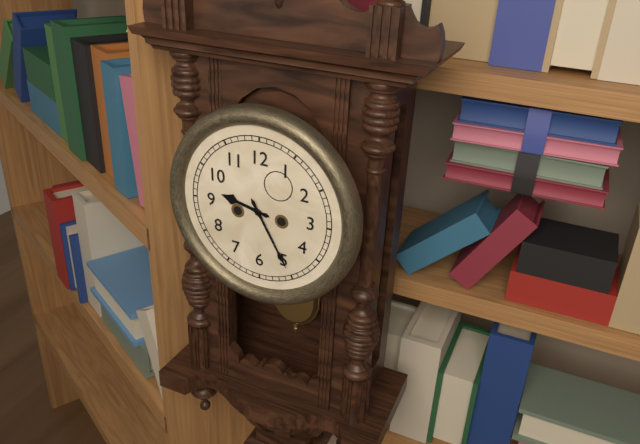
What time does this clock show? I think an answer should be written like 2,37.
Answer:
9,25
